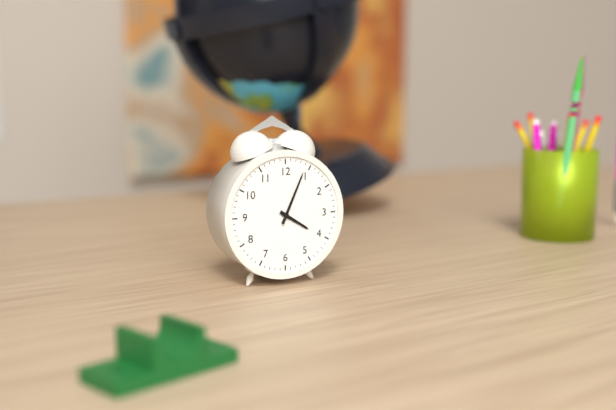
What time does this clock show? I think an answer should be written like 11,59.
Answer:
4,04
